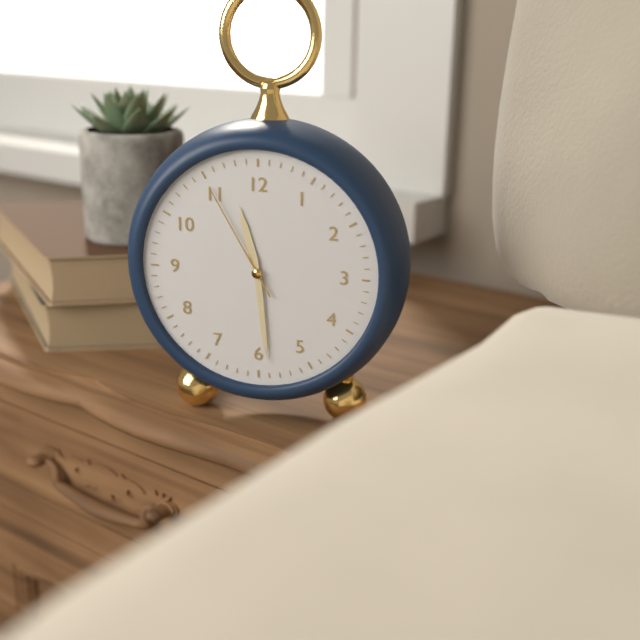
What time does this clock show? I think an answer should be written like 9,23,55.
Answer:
11,29,55
